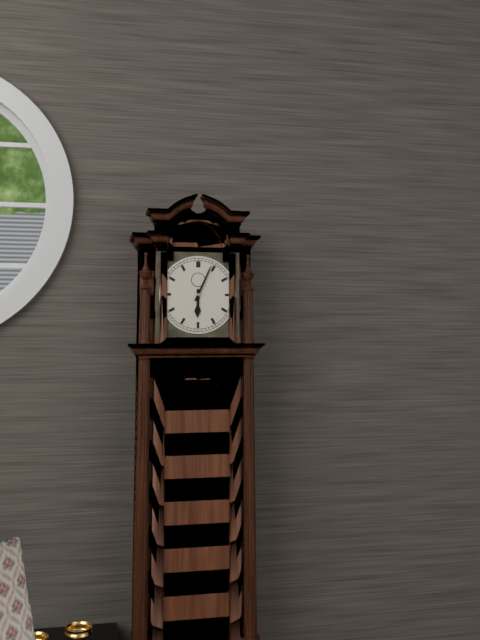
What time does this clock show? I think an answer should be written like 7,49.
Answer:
6,04
